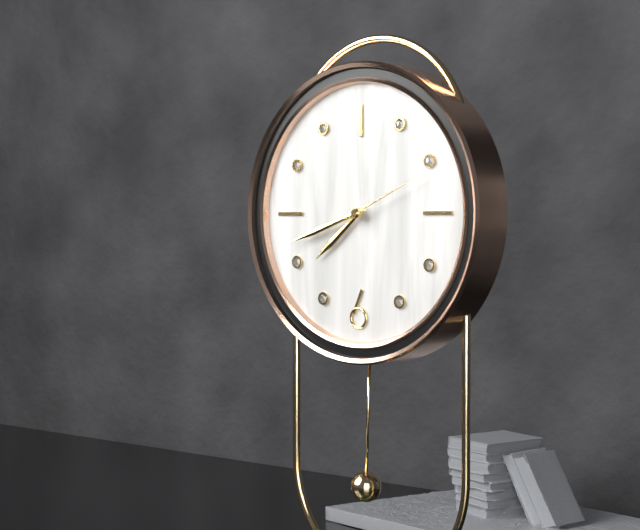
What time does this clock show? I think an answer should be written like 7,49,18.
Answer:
7,42,11
